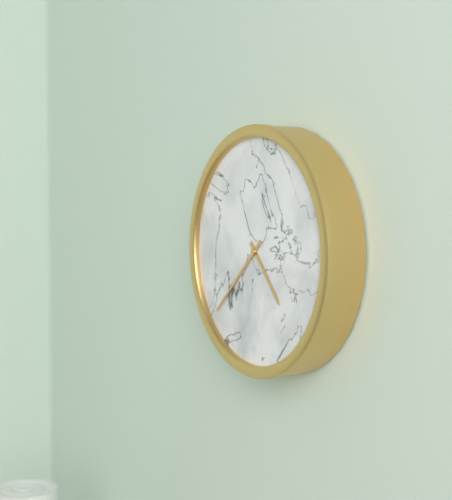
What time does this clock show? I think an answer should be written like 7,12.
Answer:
4,38
